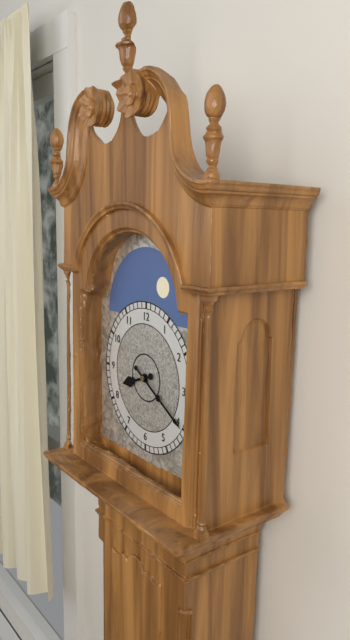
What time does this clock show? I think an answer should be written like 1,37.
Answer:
8,20
